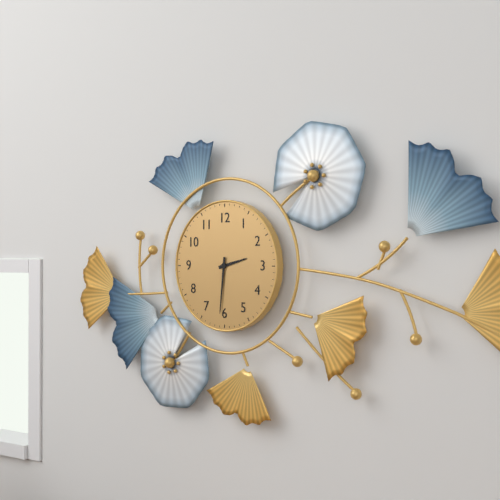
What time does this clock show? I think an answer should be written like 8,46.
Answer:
2,31
